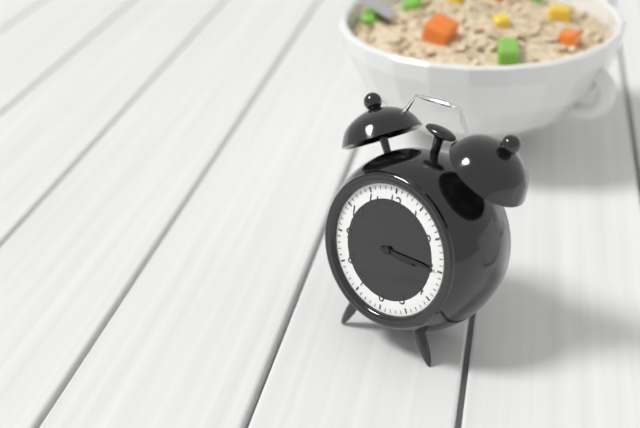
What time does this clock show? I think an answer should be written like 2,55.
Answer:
3,15
